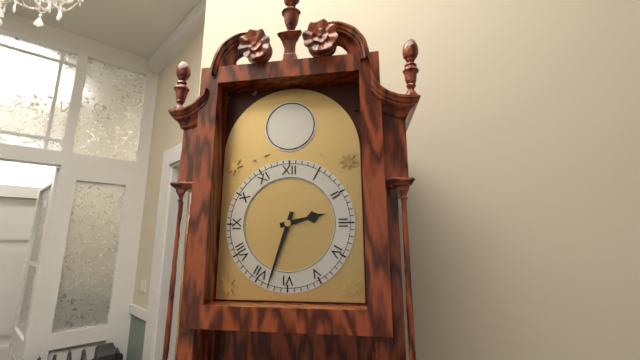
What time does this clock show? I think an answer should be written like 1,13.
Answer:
2,33
